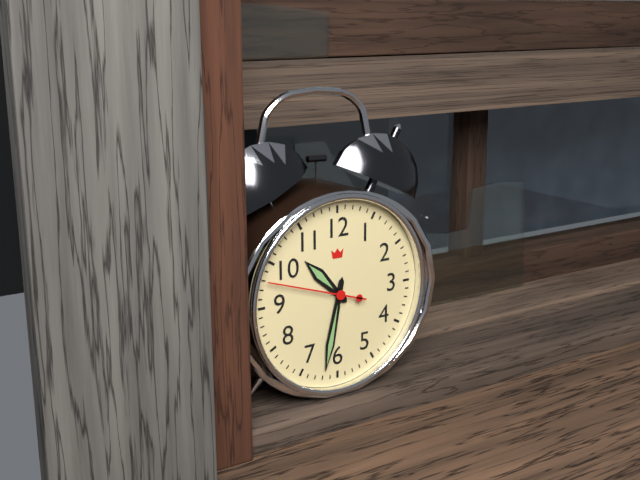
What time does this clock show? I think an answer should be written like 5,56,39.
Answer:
10,32,48
